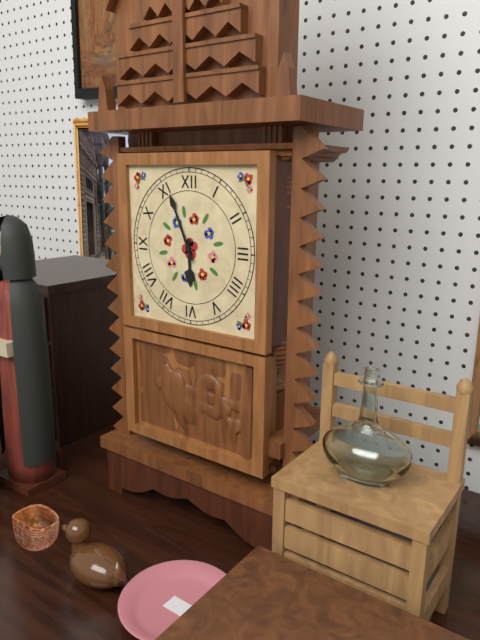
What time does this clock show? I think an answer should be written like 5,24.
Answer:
5,56
